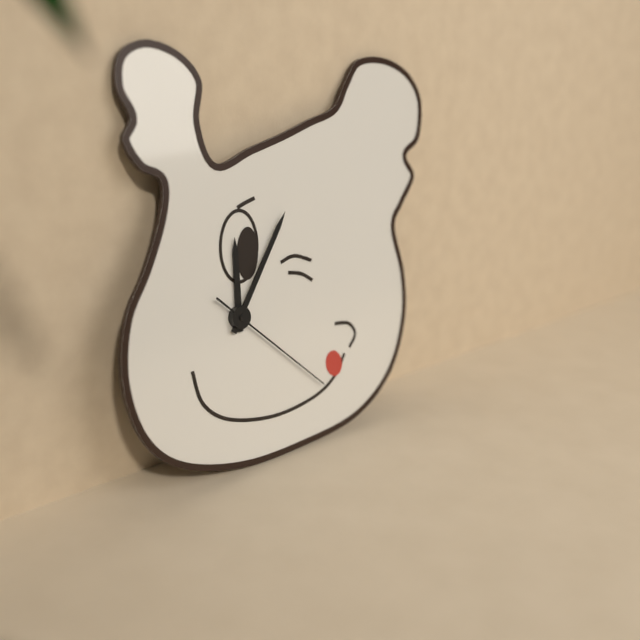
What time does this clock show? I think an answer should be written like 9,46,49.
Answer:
12,06,22
